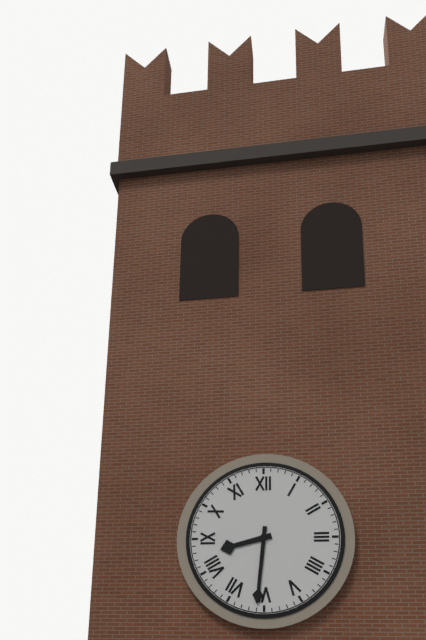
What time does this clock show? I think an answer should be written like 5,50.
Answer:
8,31
